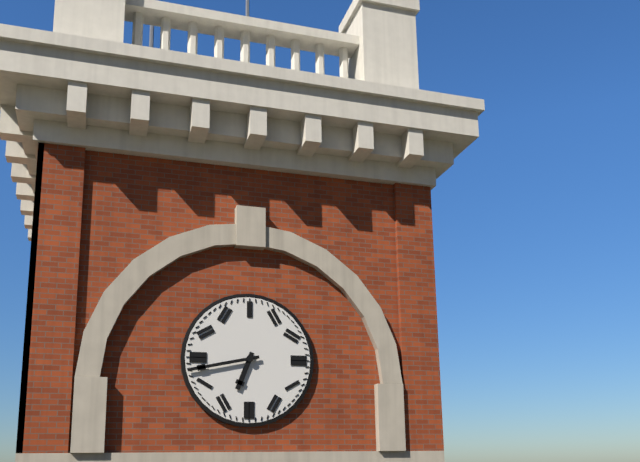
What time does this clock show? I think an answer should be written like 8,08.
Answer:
6,43
